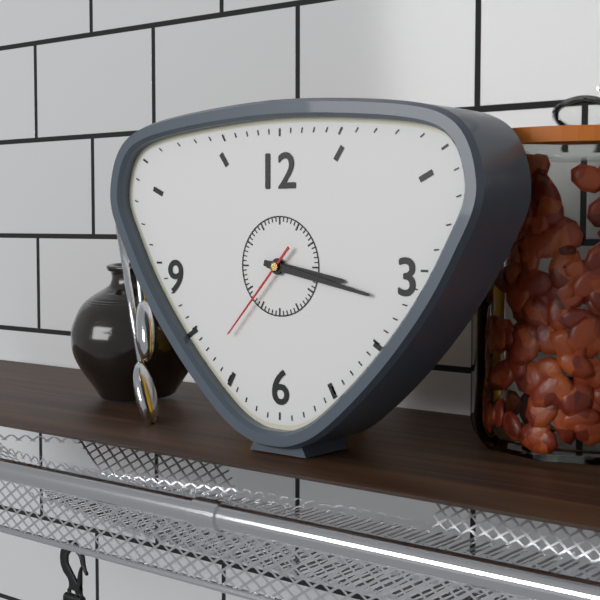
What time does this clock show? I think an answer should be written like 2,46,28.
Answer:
3,17,37
